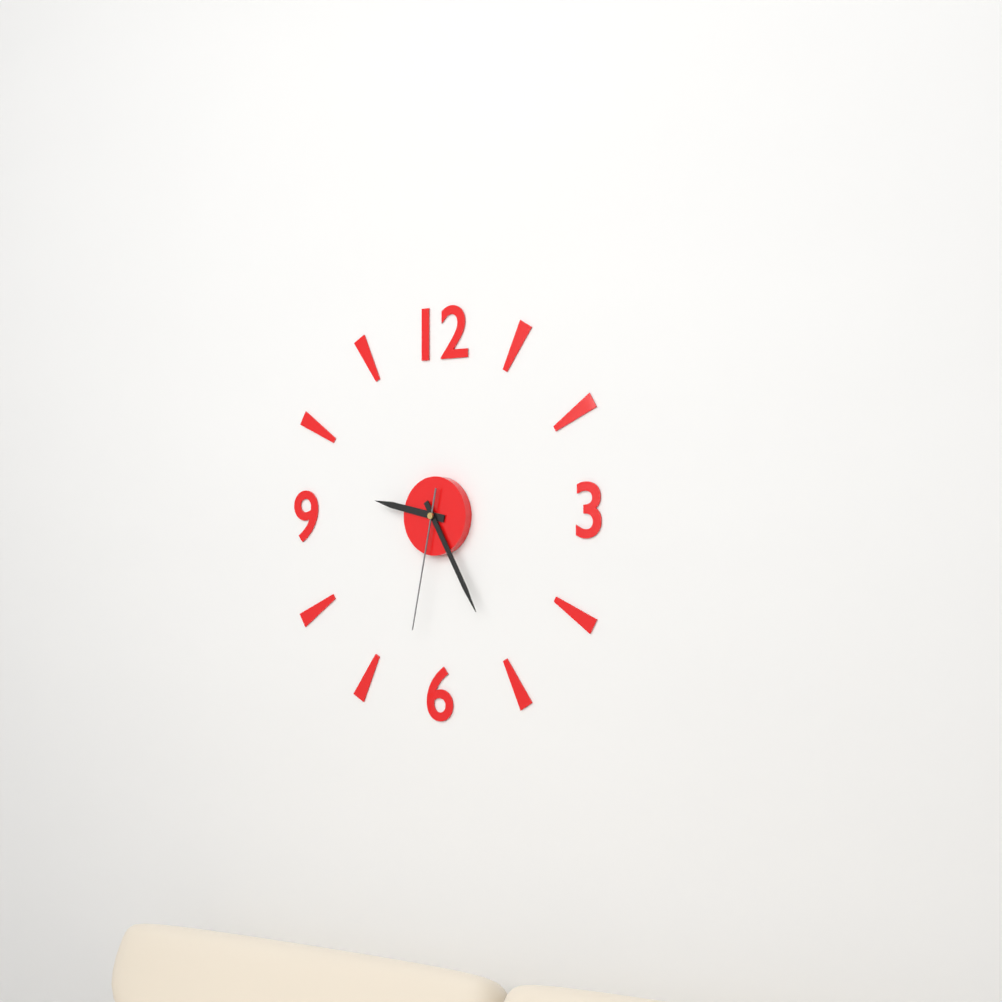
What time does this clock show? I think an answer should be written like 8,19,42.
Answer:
9,25,32
